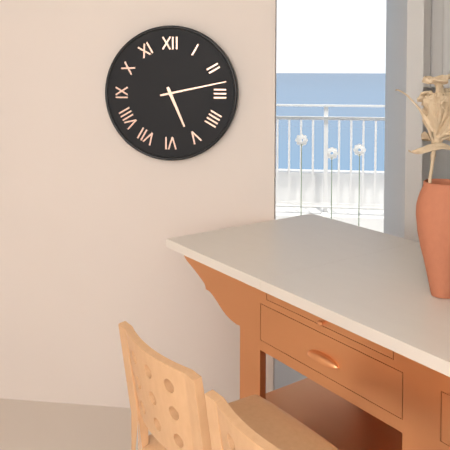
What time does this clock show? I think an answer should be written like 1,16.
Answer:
5,13
